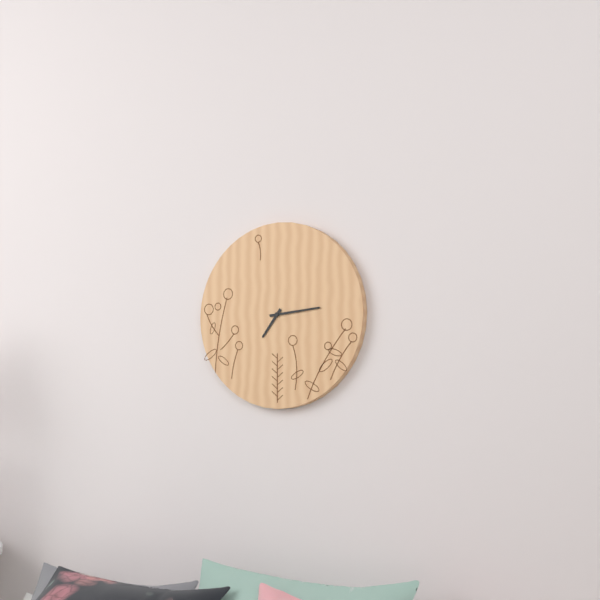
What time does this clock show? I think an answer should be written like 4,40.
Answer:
7,14
